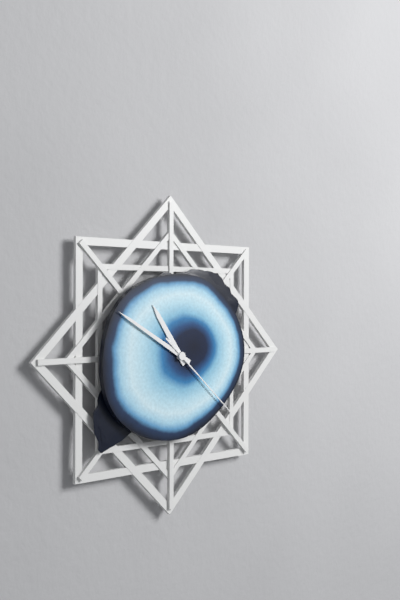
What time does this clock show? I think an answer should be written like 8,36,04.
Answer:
10,50,22
